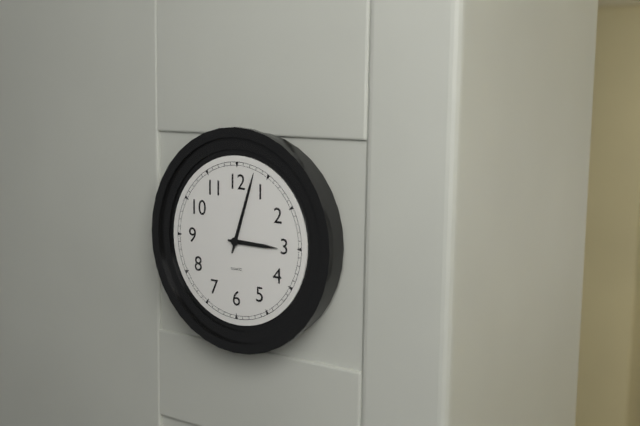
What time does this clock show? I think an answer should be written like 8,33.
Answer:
3,03
